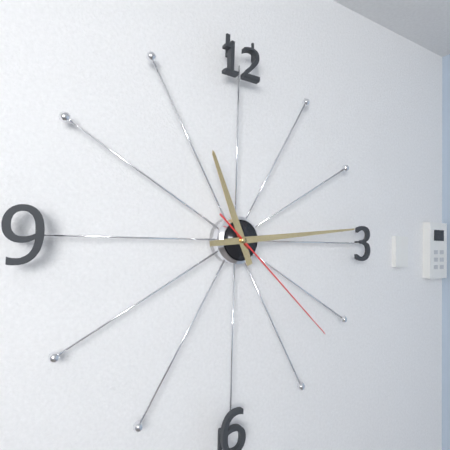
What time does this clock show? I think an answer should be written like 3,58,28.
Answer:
11,14,22
